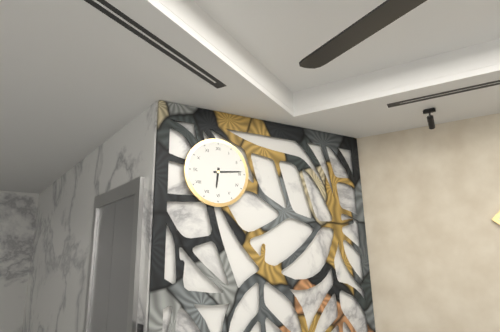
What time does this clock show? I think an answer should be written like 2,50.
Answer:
6,14
